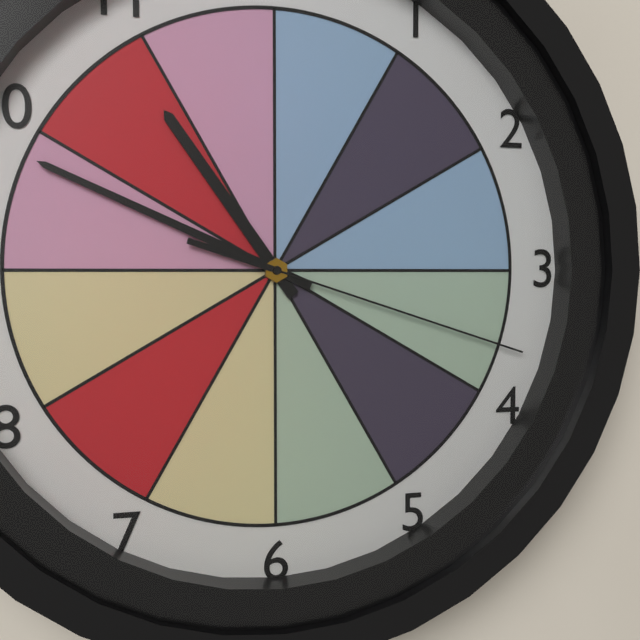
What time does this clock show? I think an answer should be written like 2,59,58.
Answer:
10,49,18
